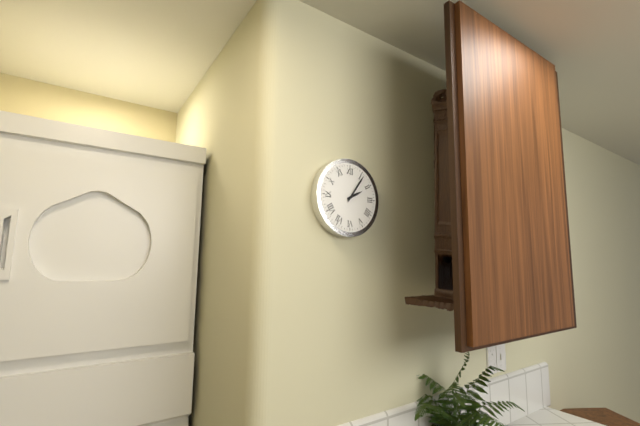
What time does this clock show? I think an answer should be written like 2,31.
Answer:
2,06
